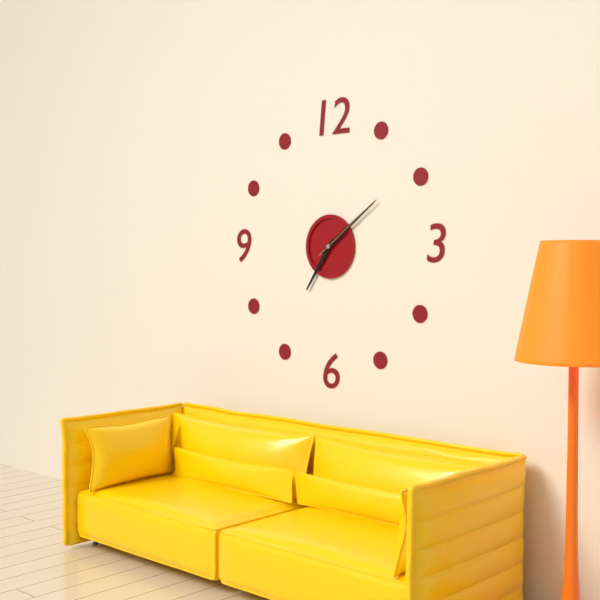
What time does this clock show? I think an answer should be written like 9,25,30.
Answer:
7,09,09
